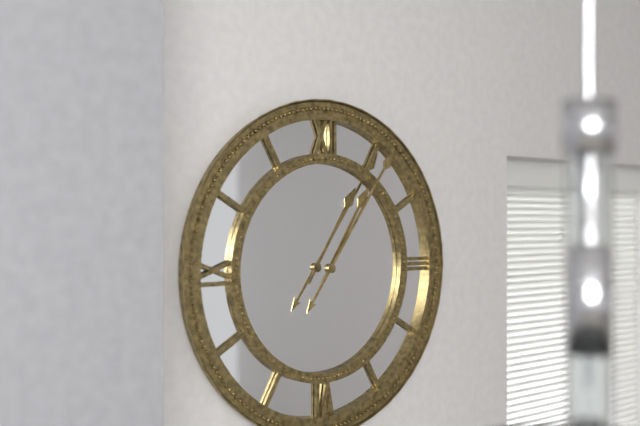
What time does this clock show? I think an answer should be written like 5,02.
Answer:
1,06
